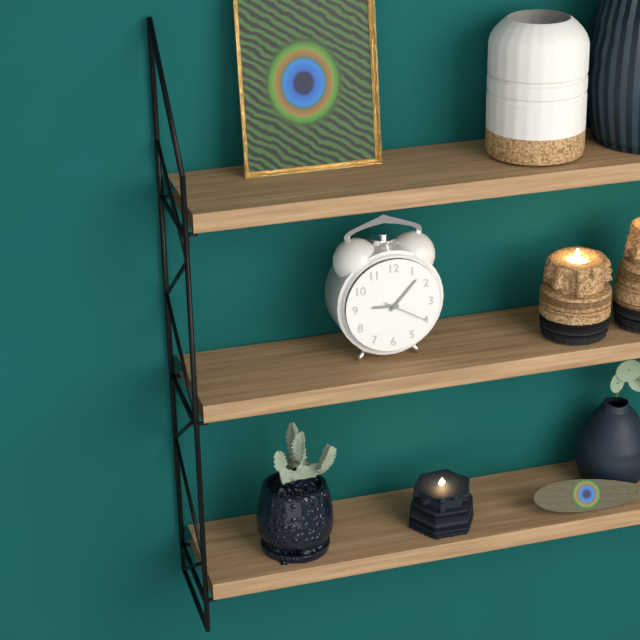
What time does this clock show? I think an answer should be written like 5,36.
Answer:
9,07
